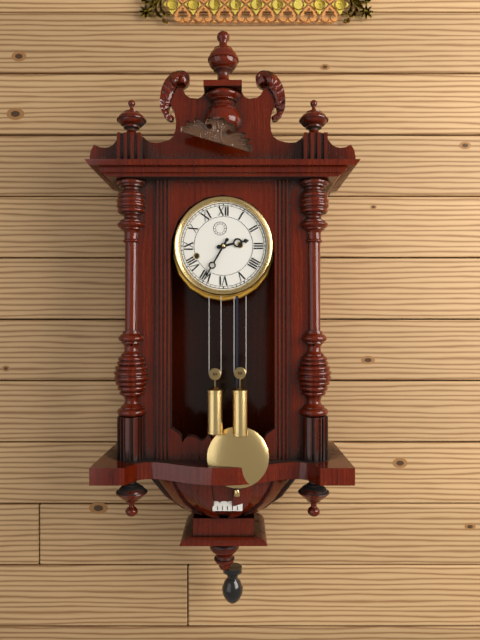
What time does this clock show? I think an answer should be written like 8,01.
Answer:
2,35
